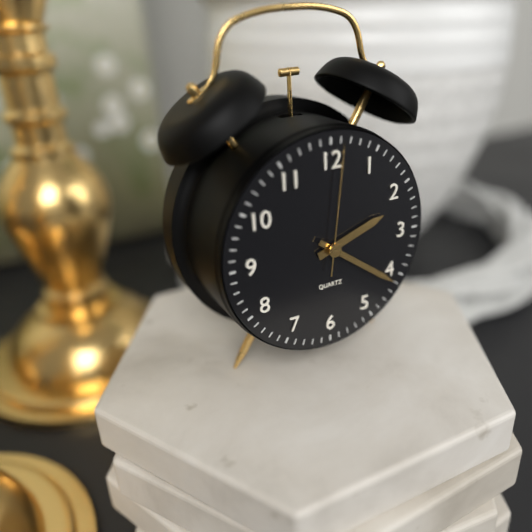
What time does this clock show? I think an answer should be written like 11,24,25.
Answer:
2,21,01
